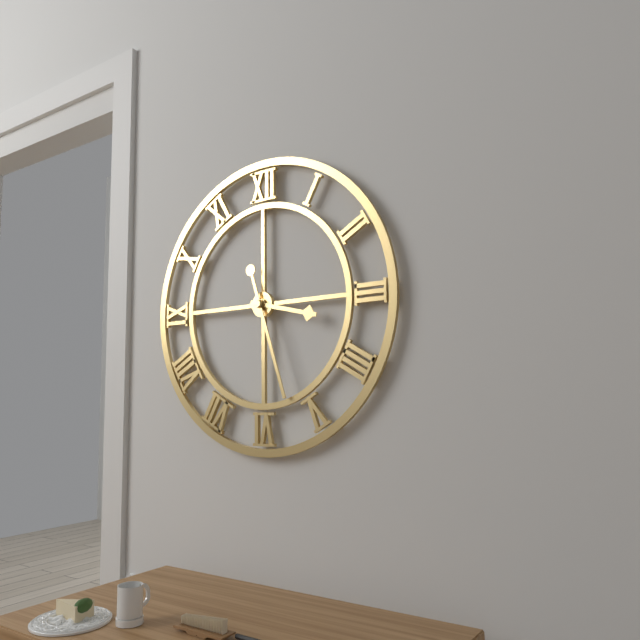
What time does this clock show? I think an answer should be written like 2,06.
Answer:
3,27
